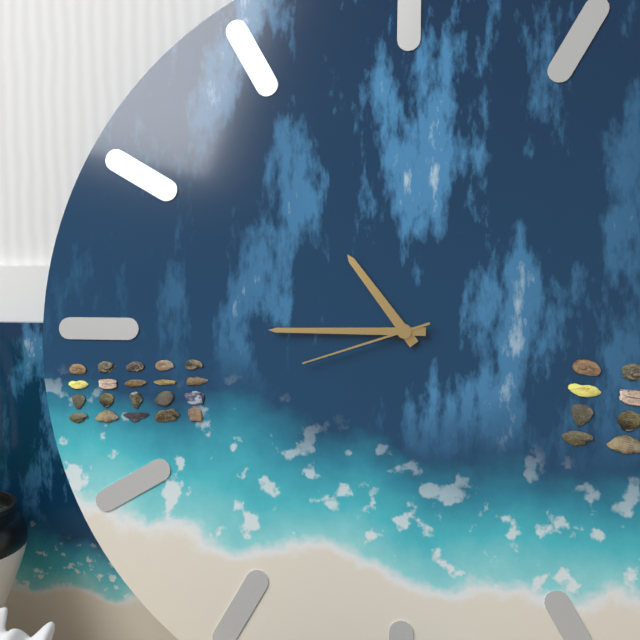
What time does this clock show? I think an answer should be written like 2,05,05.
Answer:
10,45,42
